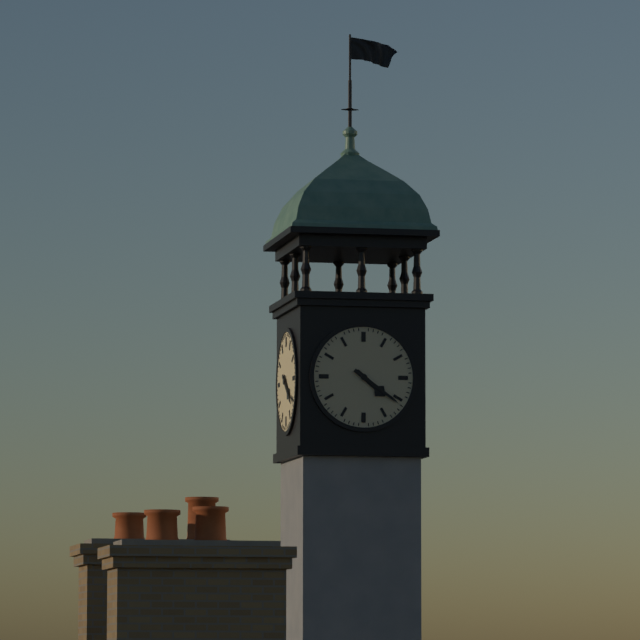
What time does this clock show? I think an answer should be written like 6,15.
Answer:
4,21
